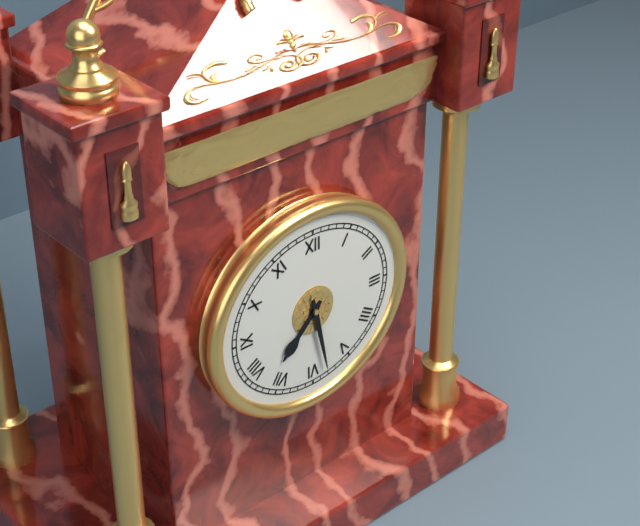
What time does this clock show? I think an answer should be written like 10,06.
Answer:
7,28
